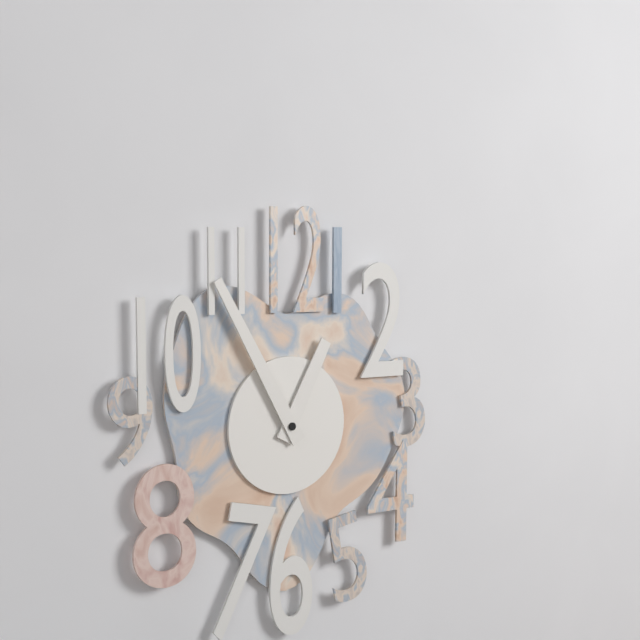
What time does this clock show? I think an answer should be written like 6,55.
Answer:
12,55
